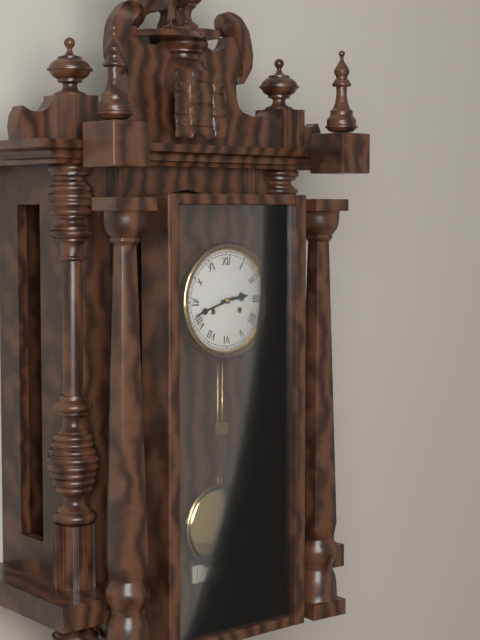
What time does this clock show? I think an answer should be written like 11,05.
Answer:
2,42
